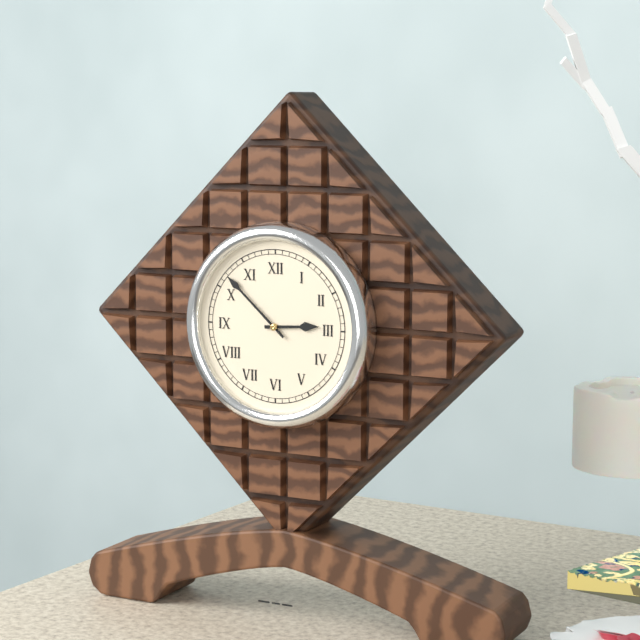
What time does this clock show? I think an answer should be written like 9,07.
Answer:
2,52
